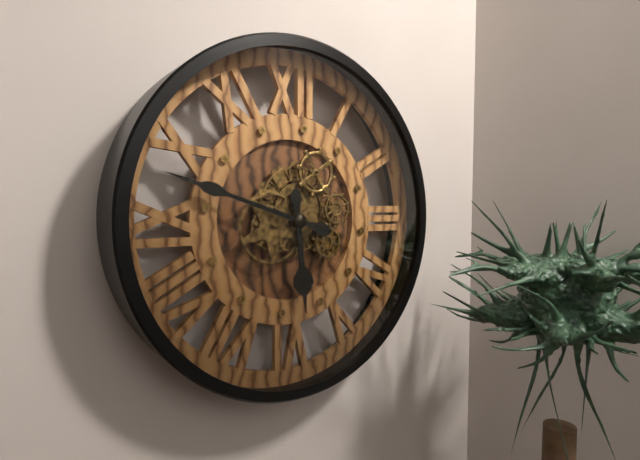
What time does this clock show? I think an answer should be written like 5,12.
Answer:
5,48
